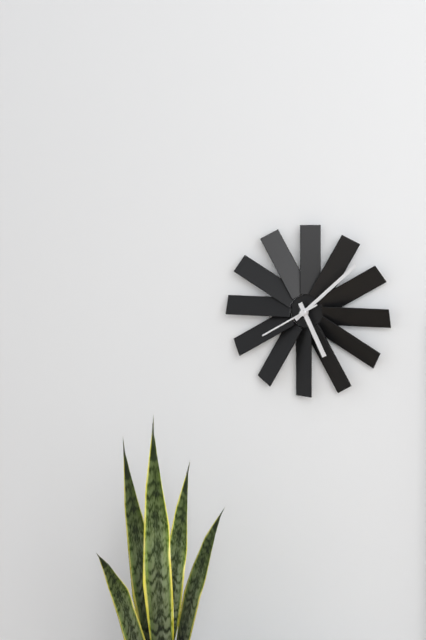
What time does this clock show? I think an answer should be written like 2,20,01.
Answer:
5,08,40
